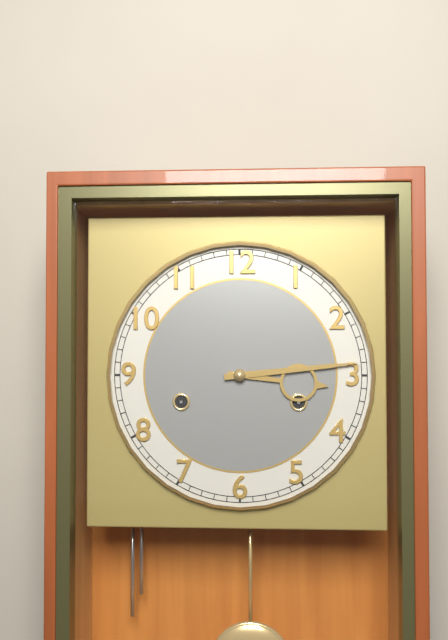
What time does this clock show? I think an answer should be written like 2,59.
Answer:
3,14
